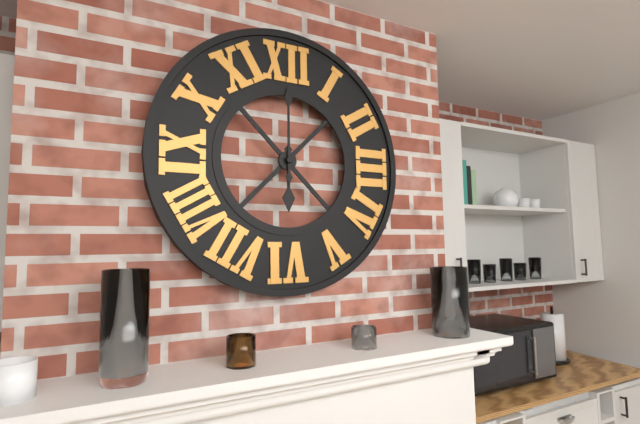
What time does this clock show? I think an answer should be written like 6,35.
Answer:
6,00
